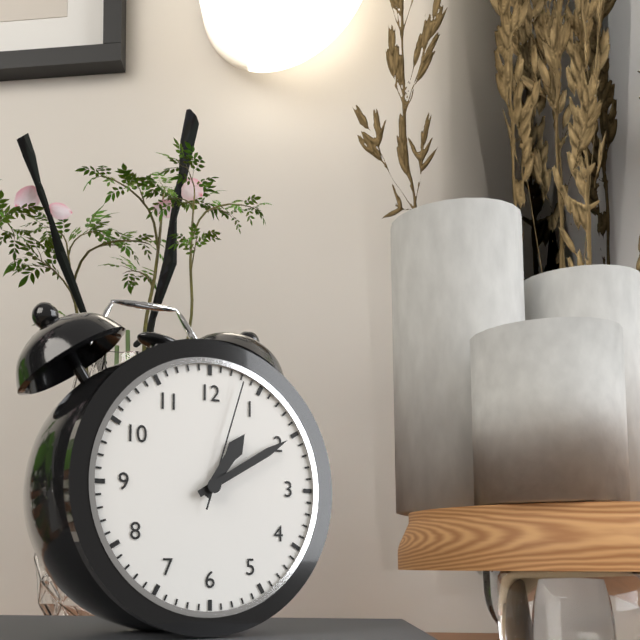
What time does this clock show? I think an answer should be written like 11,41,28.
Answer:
1,10,03
